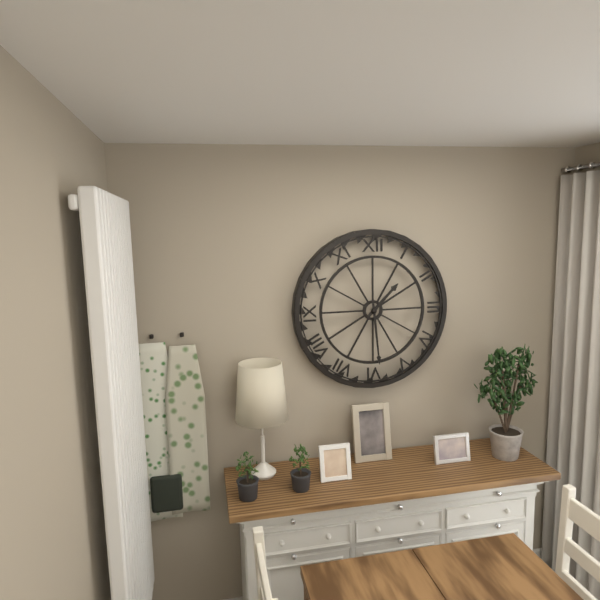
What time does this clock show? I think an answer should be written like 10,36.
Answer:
1,29
